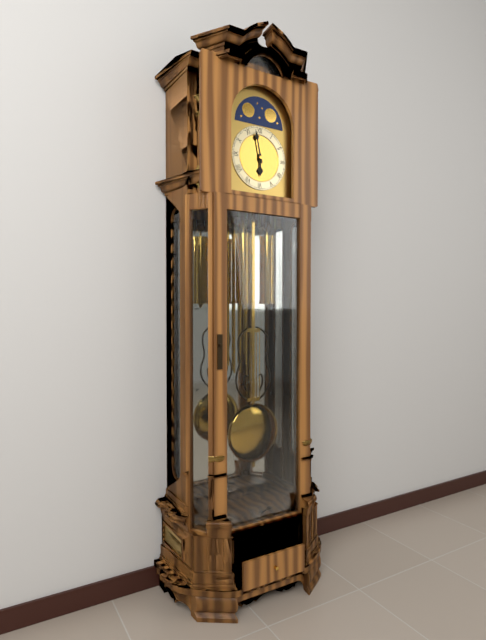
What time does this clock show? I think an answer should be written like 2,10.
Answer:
5,58
